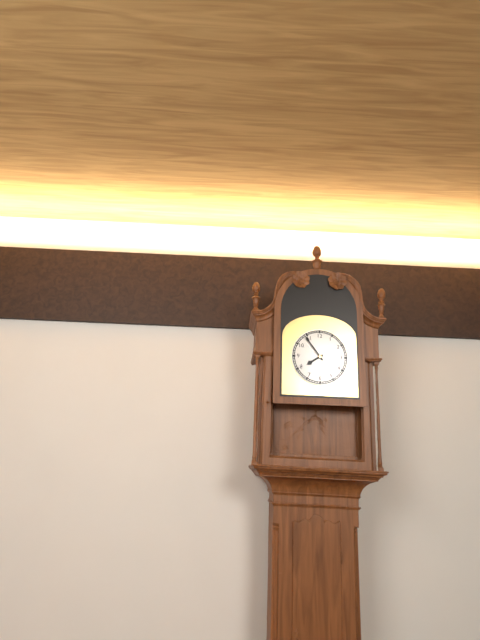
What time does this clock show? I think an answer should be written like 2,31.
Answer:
7,54
